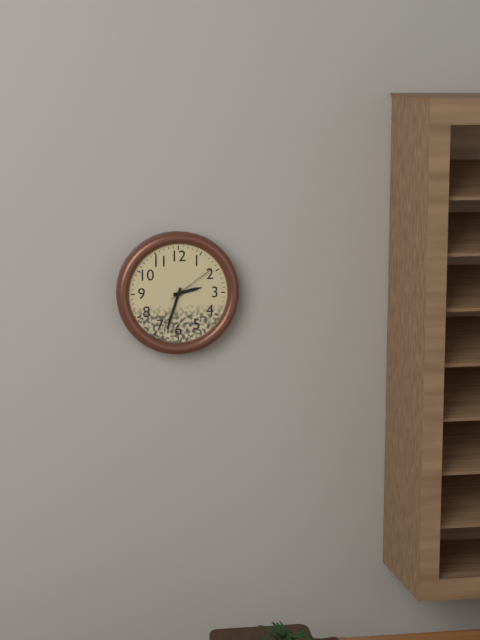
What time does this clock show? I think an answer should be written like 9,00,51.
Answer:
2,33,09
